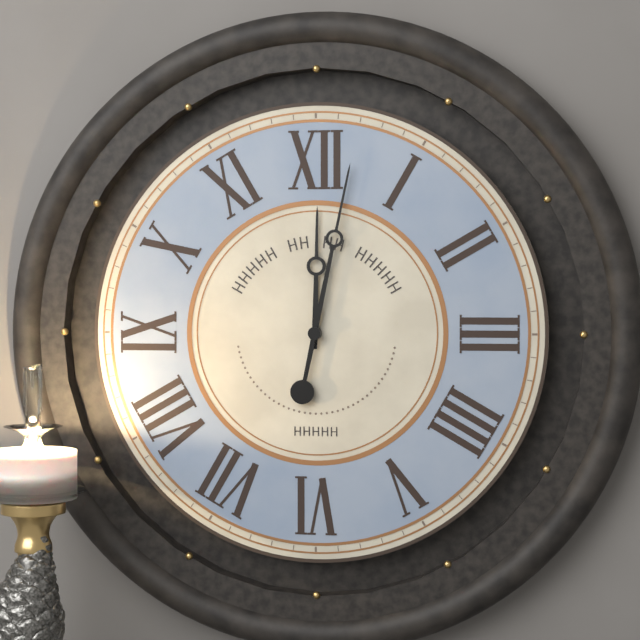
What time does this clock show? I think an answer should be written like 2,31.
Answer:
12,02
